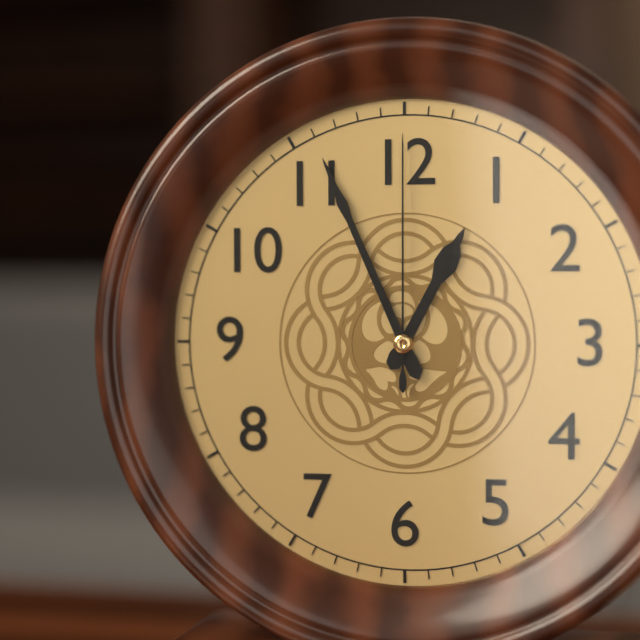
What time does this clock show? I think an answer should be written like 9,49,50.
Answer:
12,56,00
